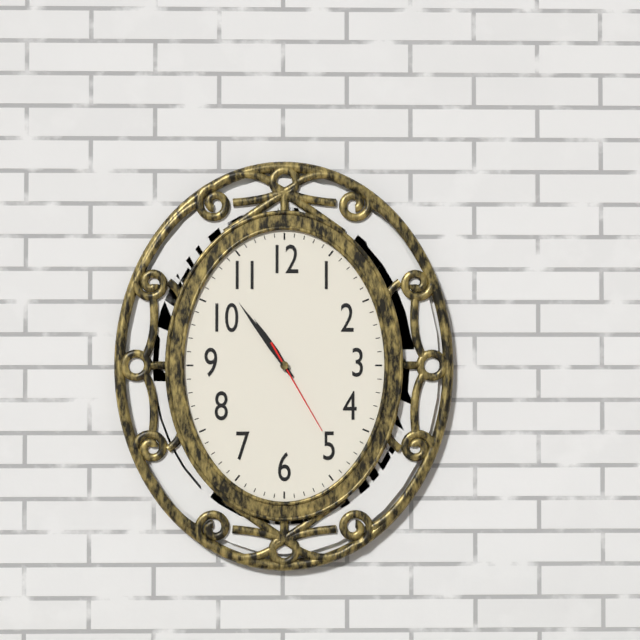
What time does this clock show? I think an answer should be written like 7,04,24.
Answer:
10,54,25
